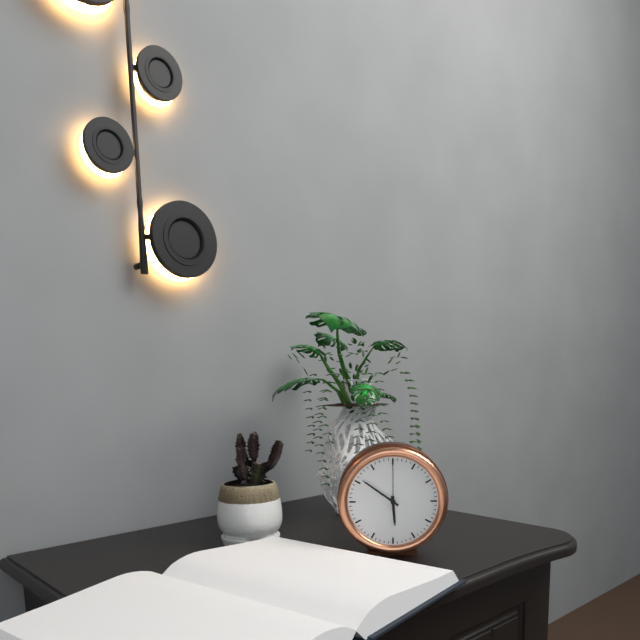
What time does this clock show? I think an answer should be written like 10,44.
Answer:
5,51
